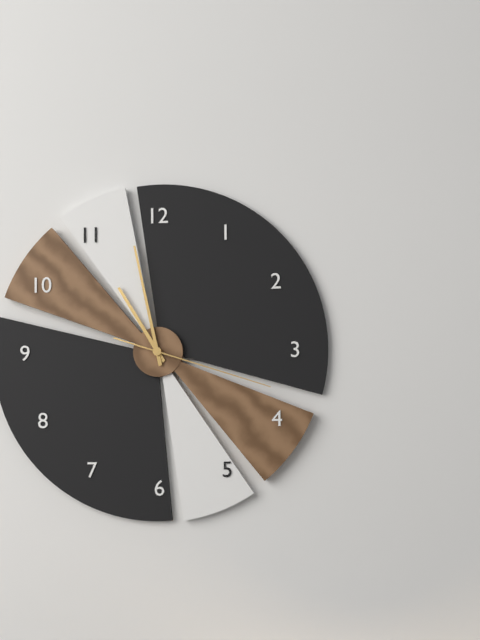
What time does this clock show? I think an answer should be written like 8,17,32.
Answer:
10,58,18
